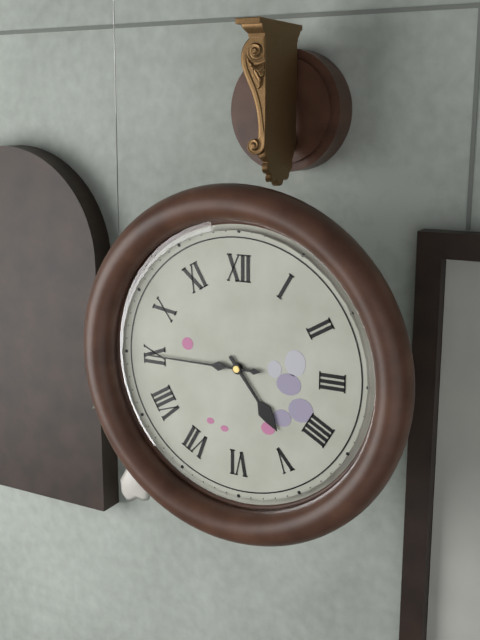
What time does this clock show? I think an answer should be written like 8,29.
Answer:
4,45
